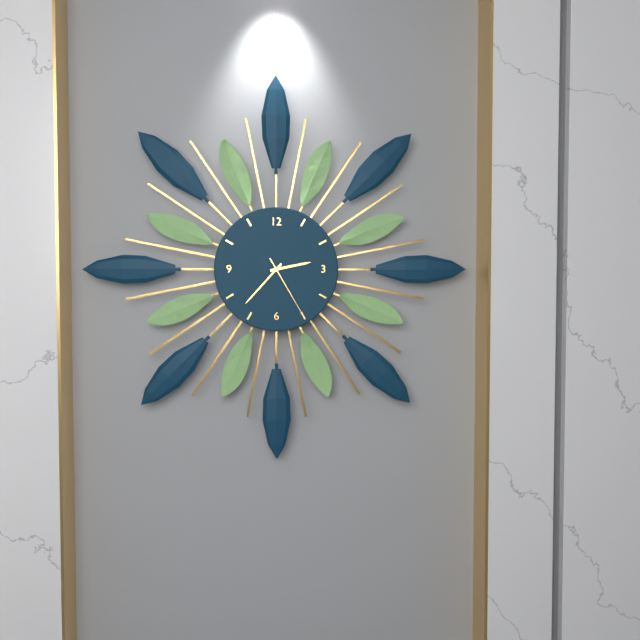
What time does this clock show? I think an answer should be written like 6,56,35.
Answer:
2,37,25
